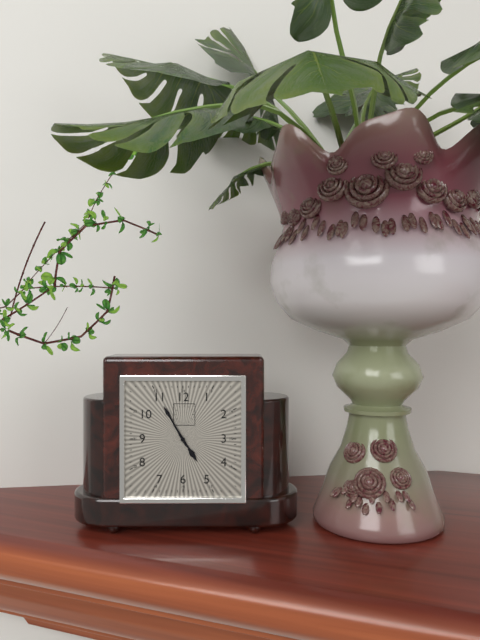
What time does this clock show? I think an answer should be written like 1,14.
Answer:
4,55
